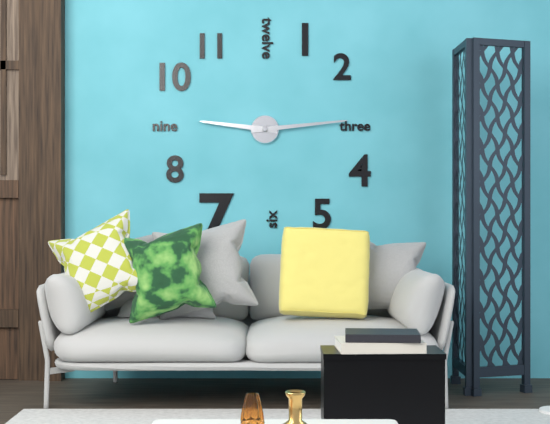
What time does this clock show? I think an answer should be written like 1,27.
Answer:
9,14
